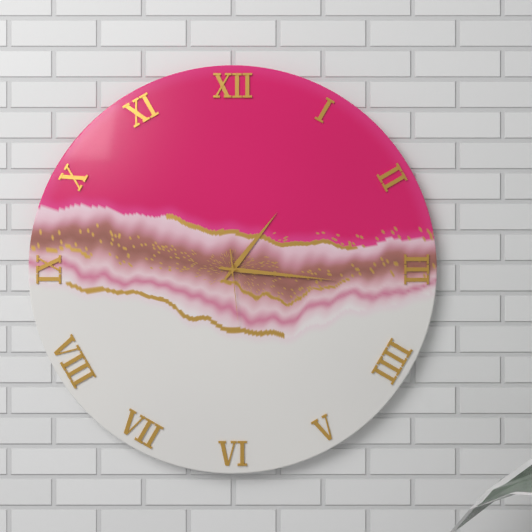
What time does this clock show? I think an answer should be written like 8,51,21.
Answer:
1,16,29
